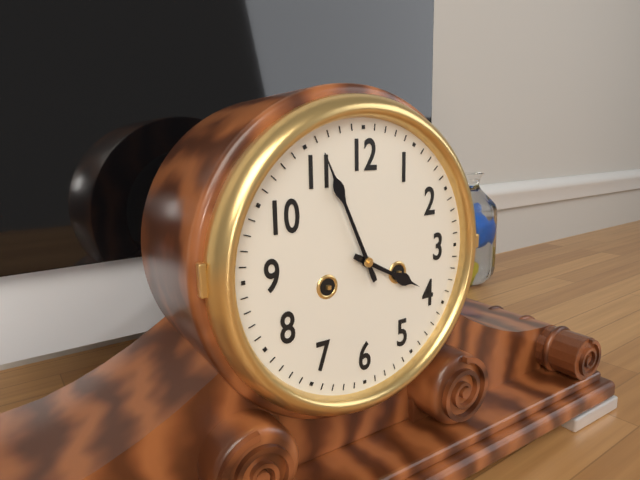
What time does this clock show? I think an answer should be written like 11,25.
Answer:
3,56
